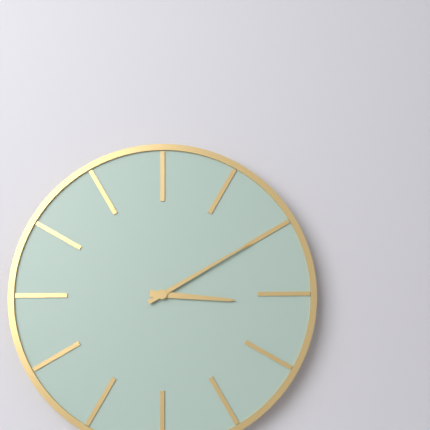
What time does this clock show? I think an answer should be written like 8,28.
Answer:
3,10
